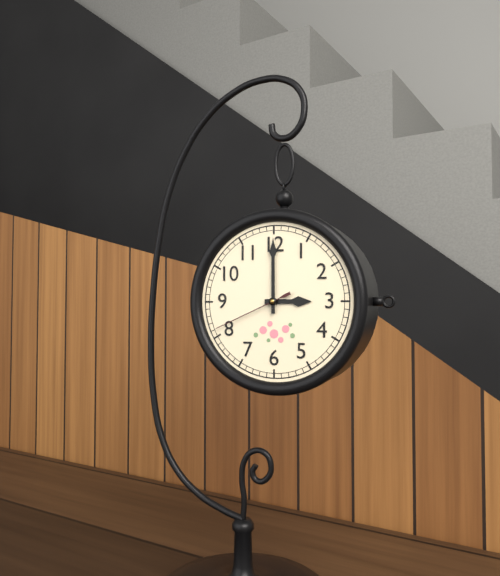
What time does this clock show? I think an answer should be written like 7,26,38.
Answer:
3,00,41
